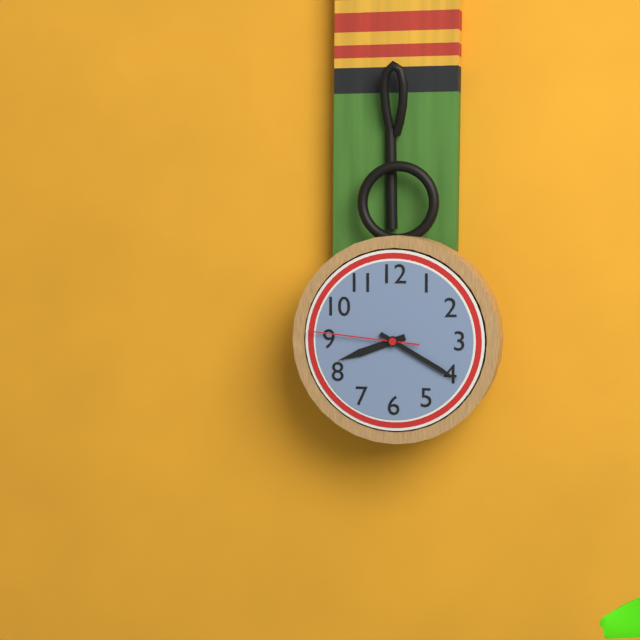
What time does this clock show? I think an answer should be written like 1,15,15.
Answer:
8,20,46
